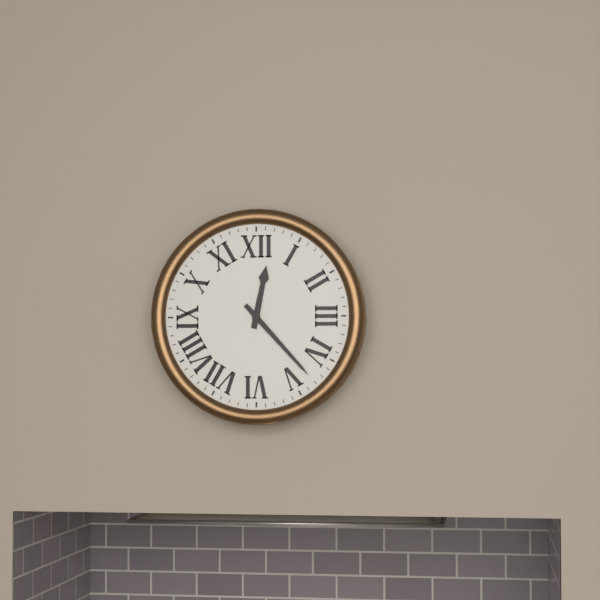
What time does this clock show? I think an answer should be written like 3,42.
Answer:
12,23
